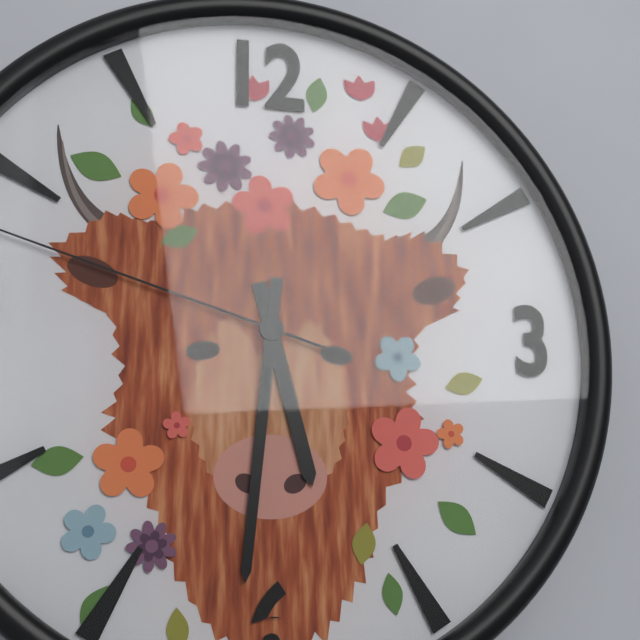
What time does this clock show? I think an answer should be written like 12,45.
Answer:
5,31
